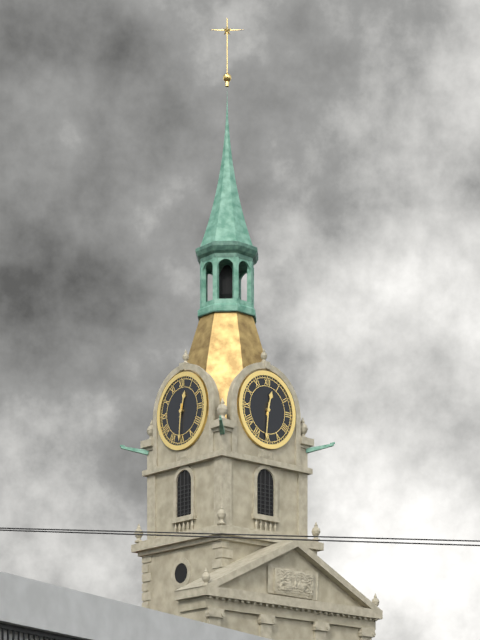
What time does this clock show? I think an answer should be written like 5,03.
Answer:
12,31
